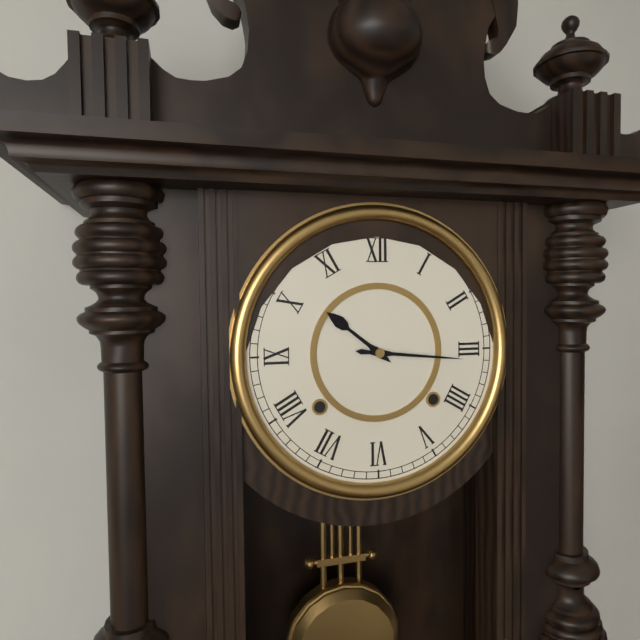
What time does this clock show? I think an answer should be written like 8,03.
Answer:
10,16
